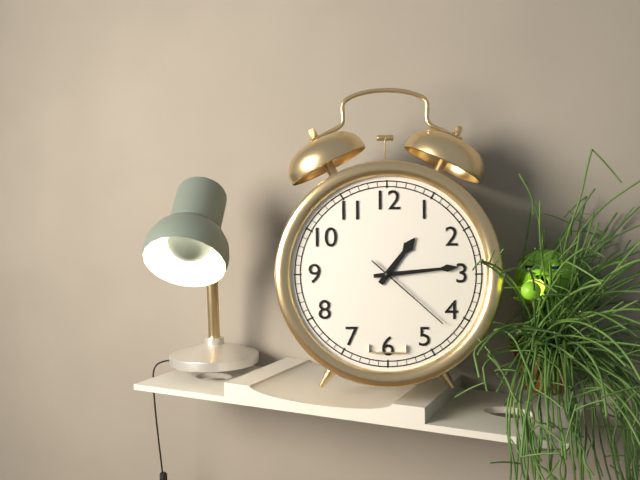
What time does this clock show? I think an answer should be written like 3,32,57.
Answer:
1,14,22
